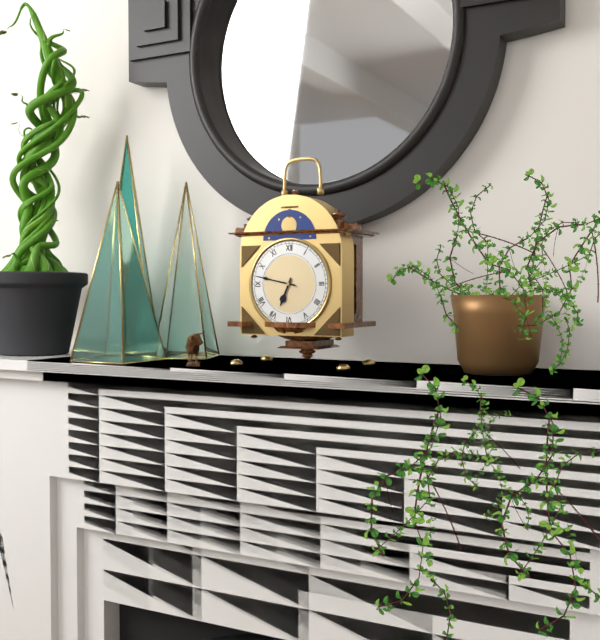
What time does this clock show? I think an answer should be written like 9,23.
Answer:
6,47
